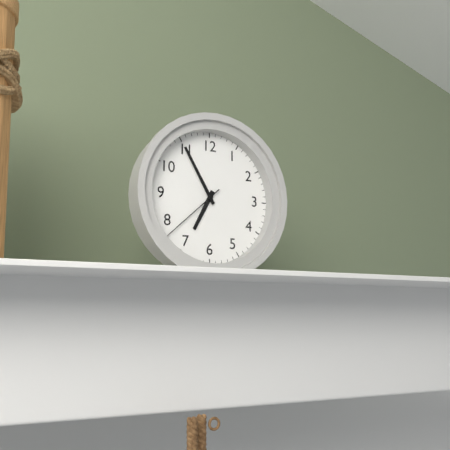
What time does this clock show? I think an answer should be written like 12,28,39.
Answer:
6,55,38
